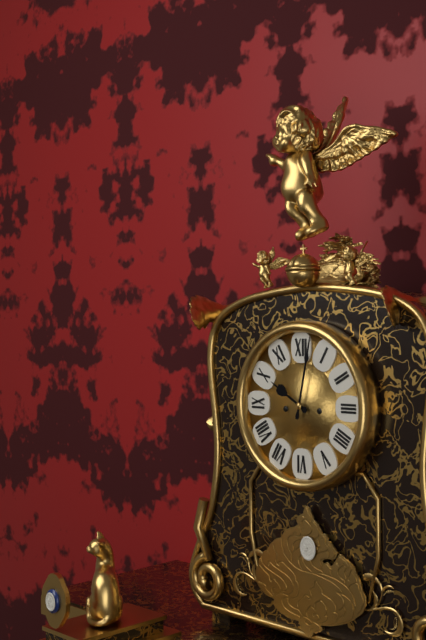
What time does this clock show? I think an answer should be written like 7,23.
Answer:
10,02
